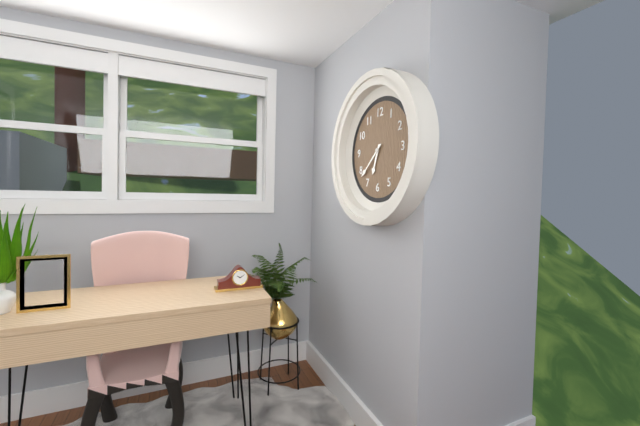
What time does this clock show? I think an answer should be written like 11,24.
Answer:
6,38
